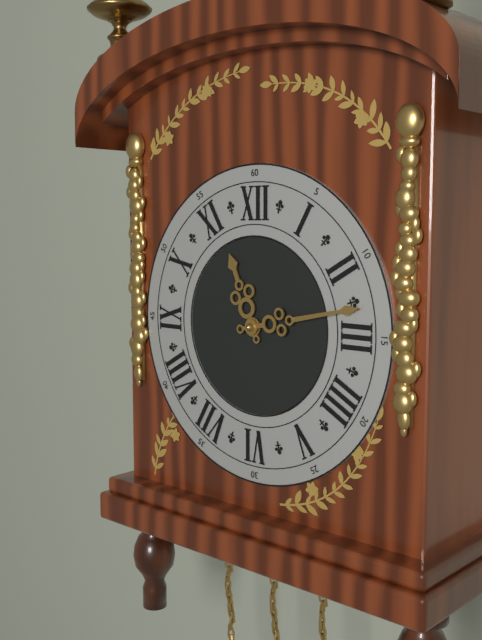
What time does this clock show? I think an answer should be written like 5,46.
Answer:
11,13
